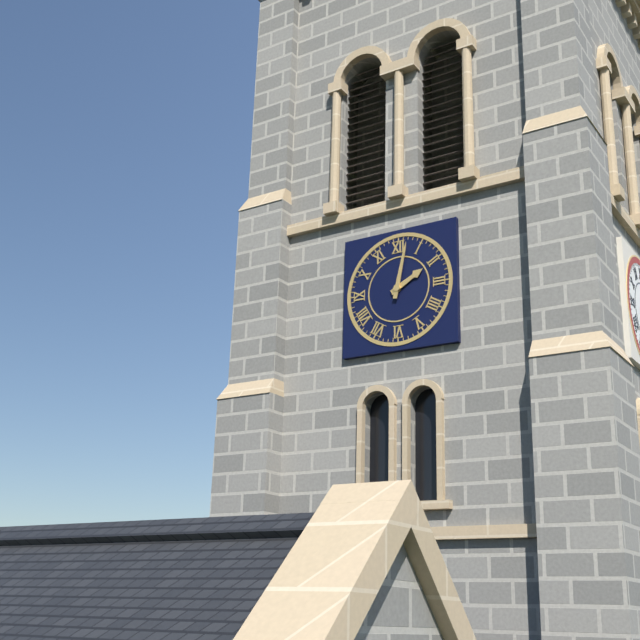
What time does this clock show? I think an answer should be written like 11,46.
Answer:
2,02
